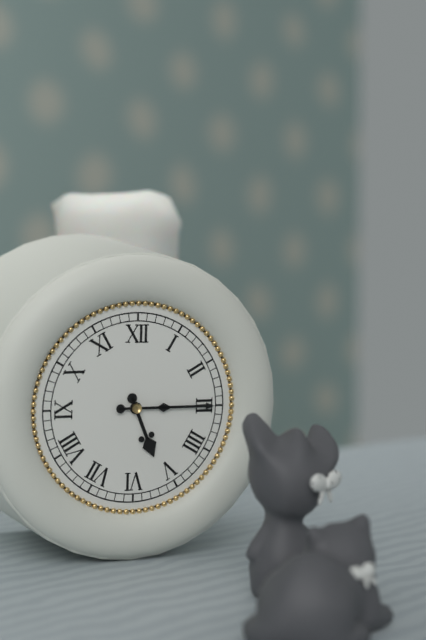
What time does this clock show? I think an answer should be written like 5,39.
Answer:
5,15
